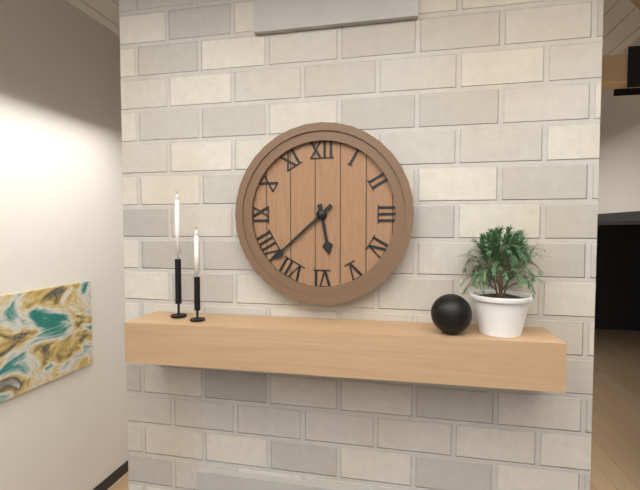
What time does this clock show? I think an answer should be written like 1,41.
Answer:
5,38
